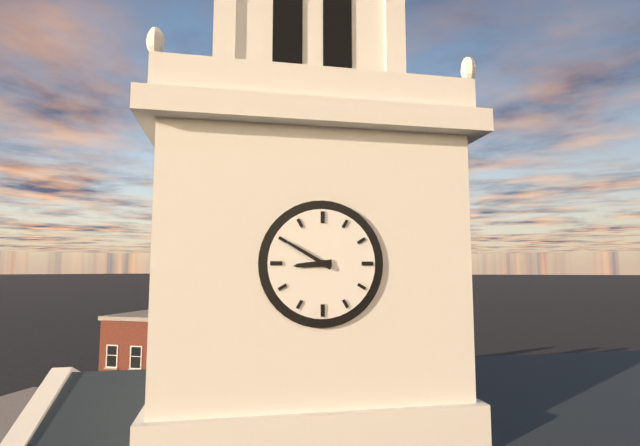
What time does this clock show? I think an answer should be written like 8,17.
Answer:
8,50
